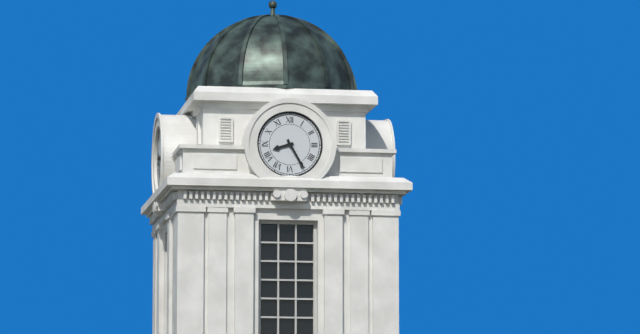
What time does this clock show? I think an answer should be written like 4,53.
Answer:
8,25
